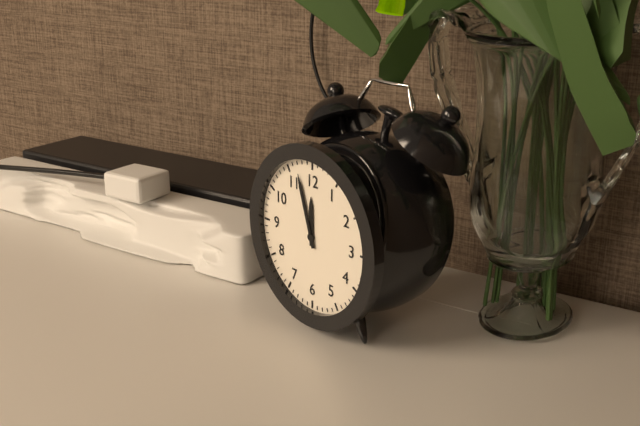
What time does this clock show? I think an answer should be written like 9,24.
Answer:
11,57
